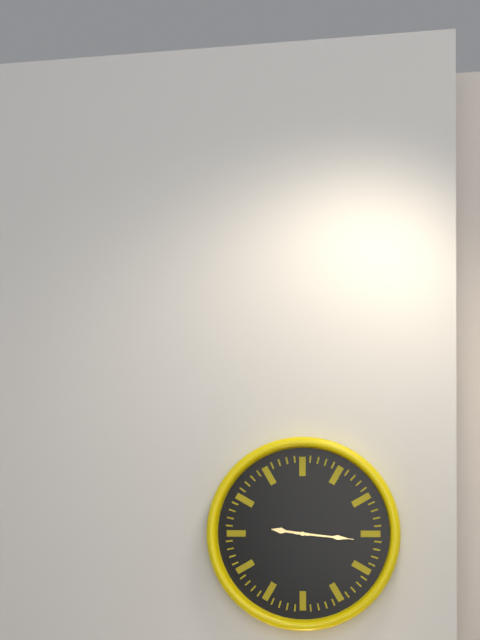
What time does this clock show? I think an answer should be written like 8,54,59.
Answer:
9,16,16
